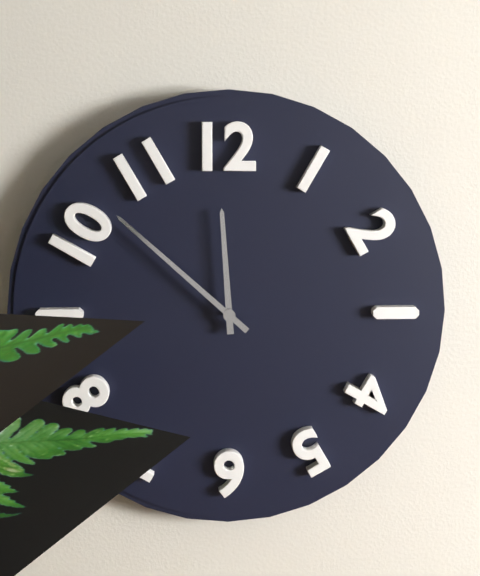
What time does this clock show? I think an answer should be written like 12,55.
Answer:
11,52
